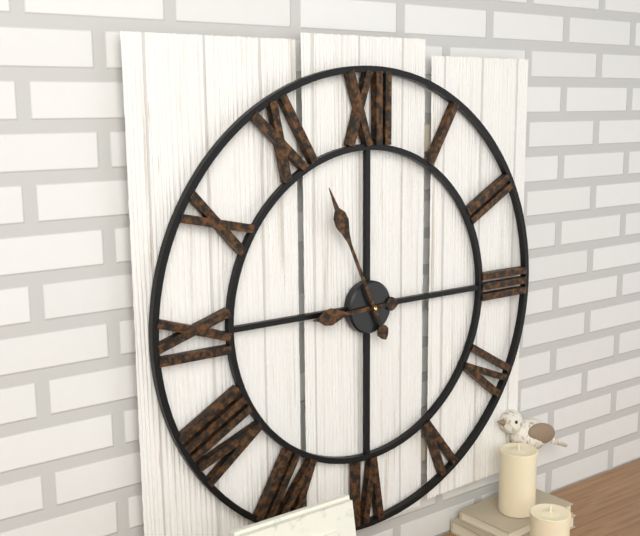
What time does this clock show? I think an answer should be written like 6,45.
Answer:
8,56
